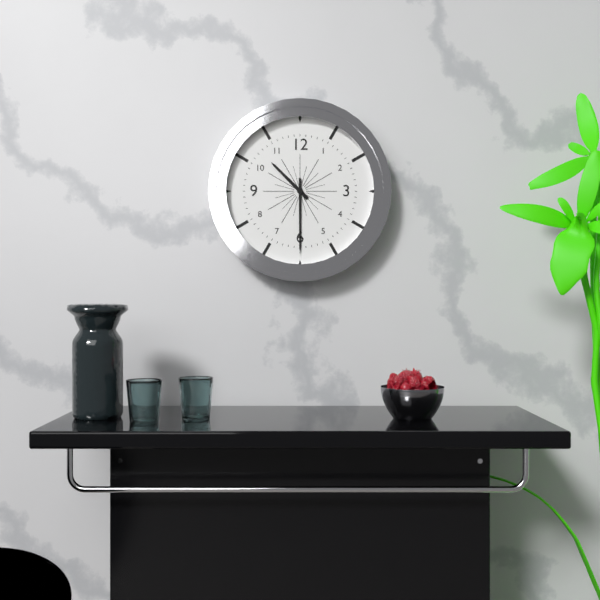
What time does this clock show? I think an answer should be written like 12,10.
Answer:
10,30
